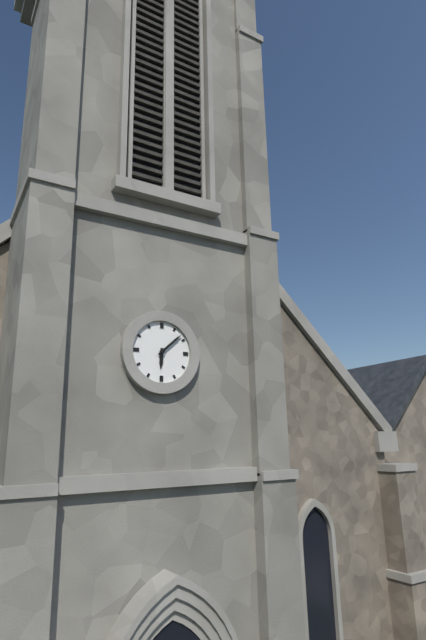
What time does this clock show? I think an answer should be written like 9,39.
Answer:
6,08
